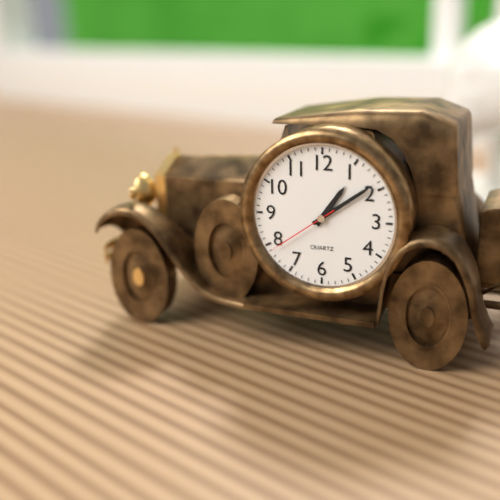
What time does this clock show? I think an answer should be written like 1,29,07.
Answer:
1,09,39
